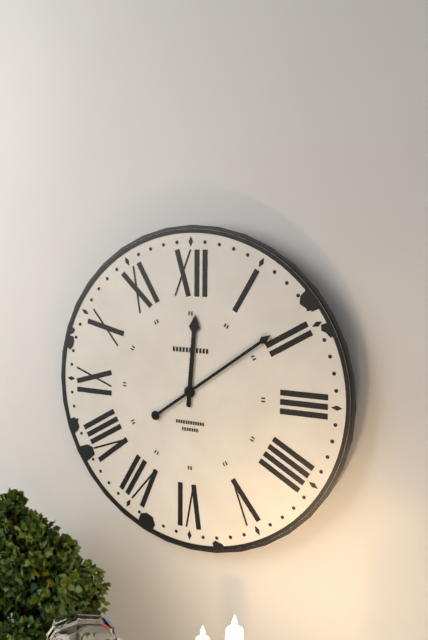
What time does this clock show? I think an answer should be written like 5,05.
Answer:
12,09
